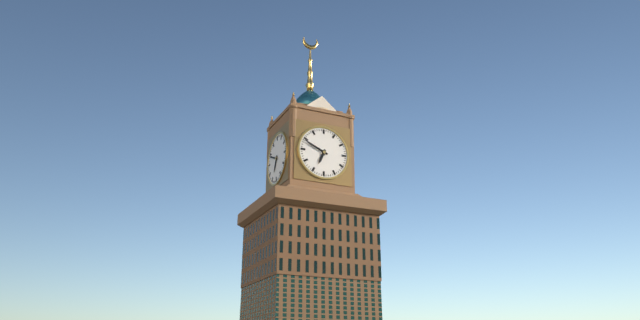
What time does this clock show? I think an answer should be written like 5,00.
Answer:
6,49
